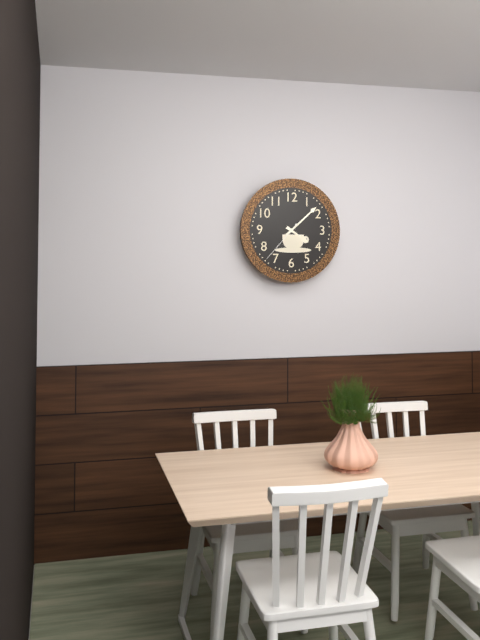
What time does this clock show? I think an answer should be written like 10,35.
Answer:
4,08
